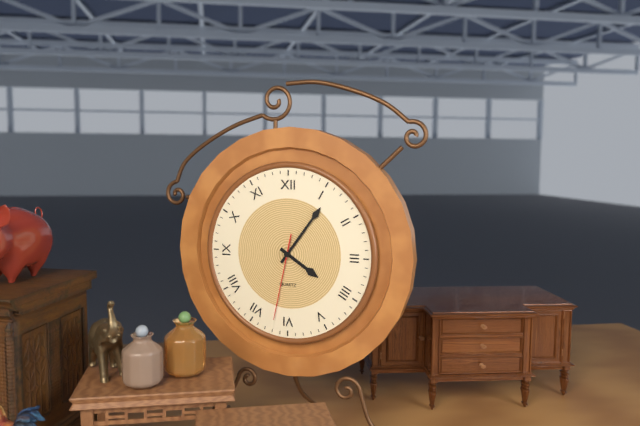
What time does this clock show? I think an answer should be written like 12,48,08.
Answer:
4,06,32
